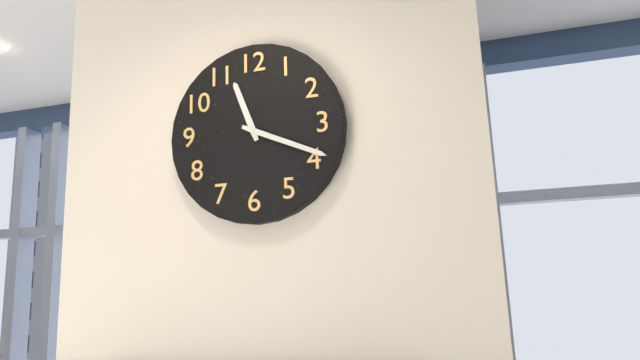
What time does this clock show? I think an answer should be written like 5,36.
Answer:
11,19
